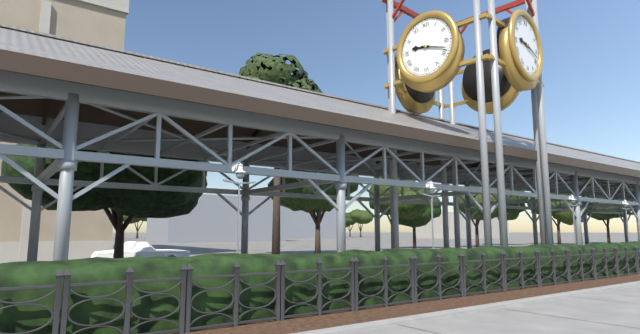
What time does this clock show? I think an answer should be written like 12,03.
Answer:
9,18
